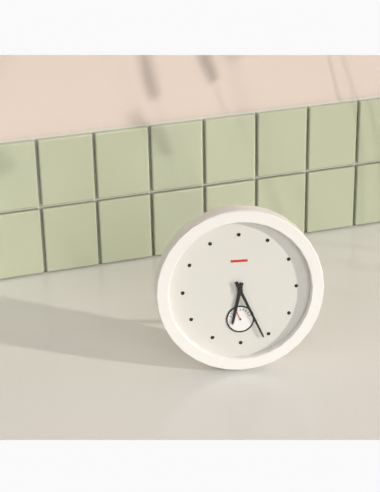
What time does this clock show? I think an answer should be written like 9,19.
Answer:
6,26
